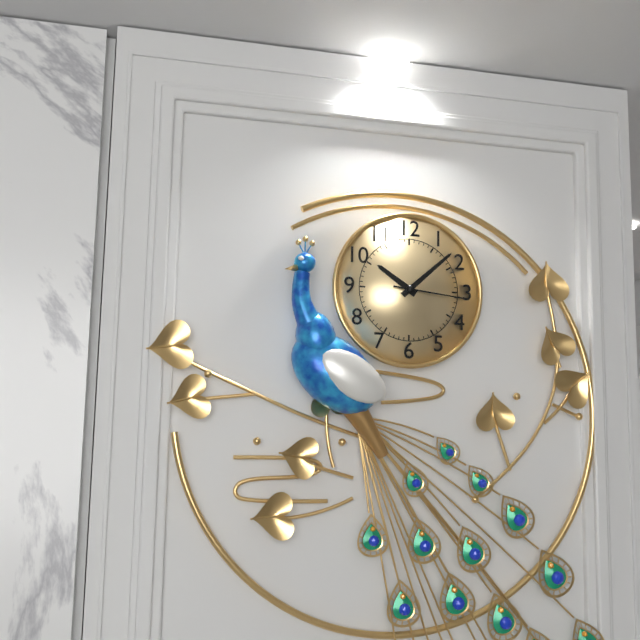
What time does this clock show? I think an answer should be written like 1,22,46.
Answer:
10,08,16
